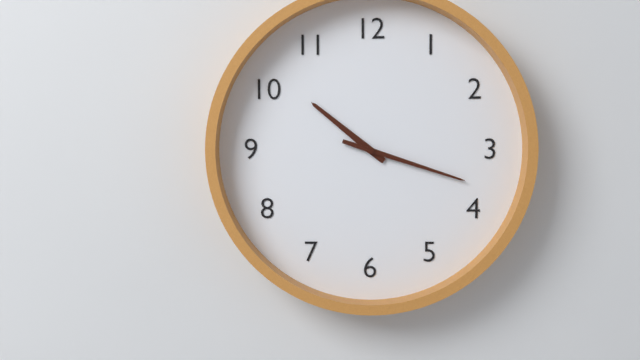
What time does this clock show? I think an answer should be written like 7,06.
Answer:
10,18
